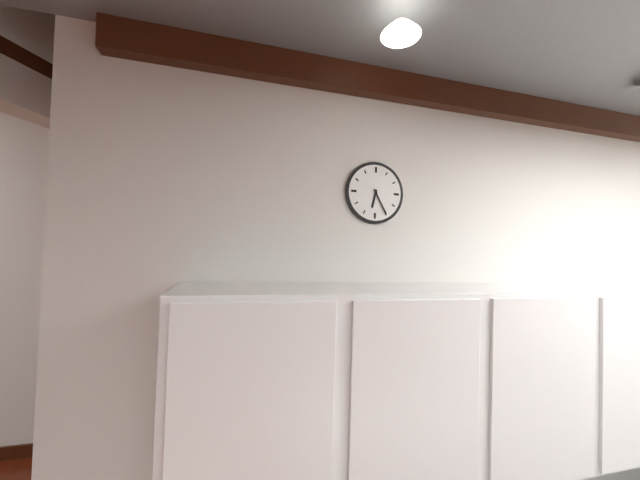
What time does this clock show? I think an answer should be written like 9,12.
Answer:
6,25
